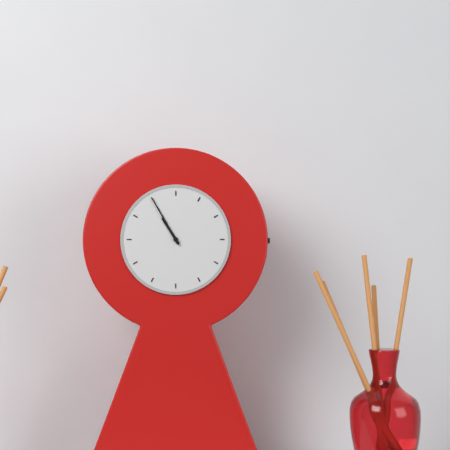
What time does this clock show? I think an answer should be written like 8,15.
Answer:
10,55
